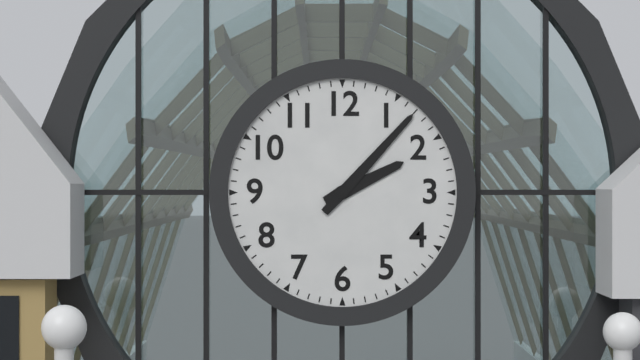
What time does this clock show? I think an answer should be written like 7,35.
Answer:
2,07
